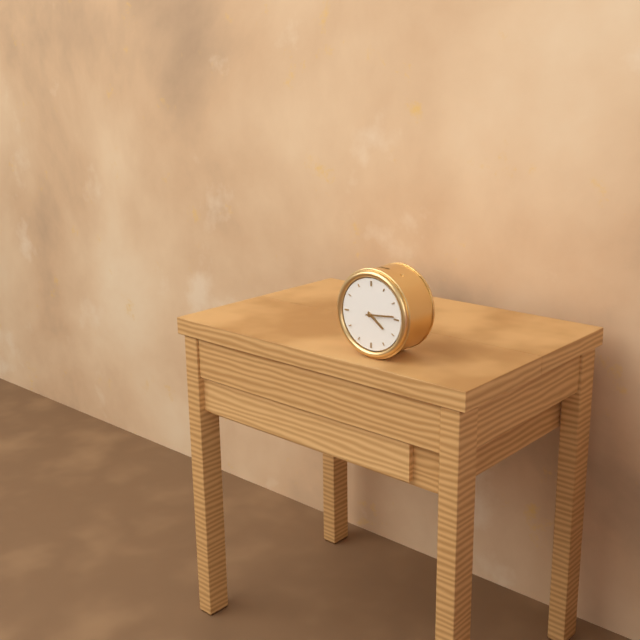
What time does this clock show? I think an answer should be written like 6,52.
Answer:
4,14
